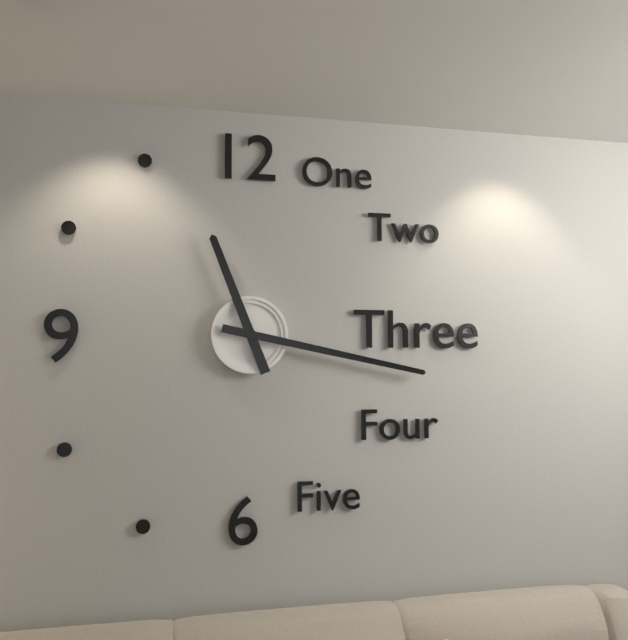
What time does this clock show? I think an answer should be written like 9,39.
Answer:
11,17
